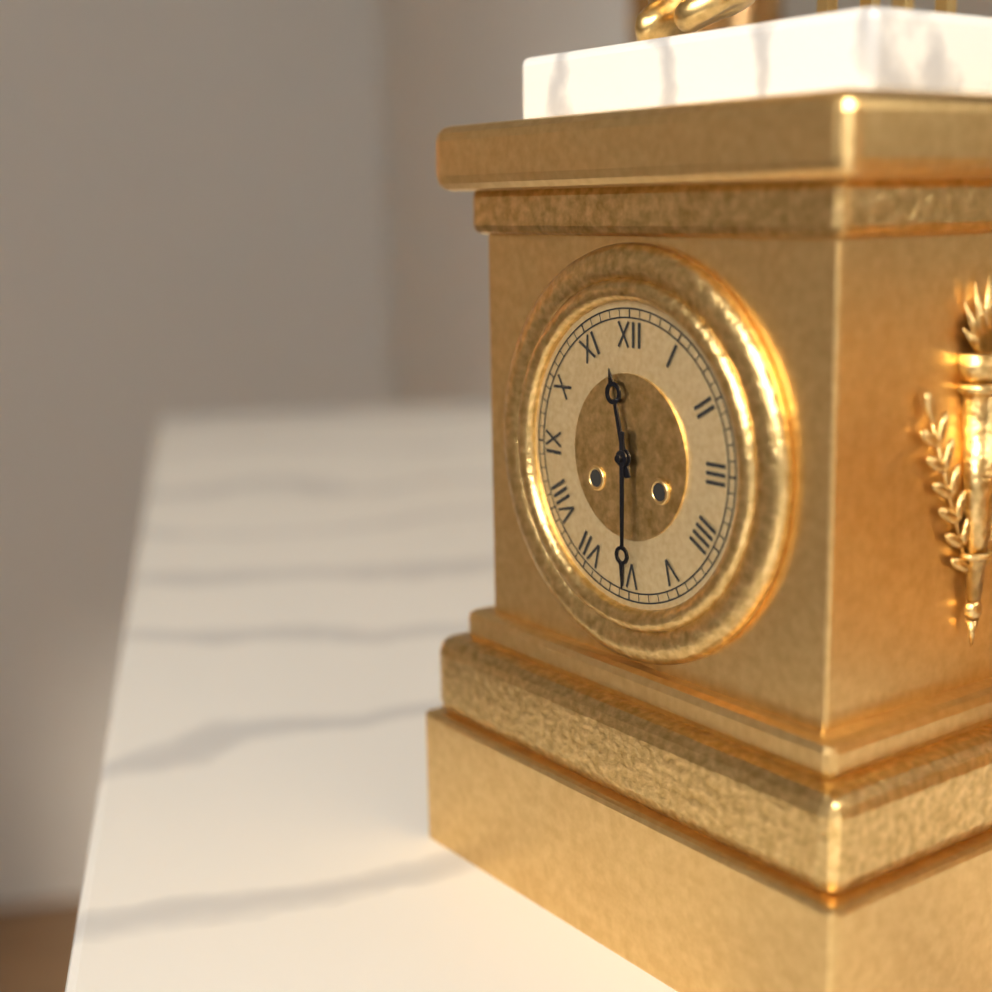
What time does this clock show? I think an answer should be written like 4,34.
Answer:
11,30
